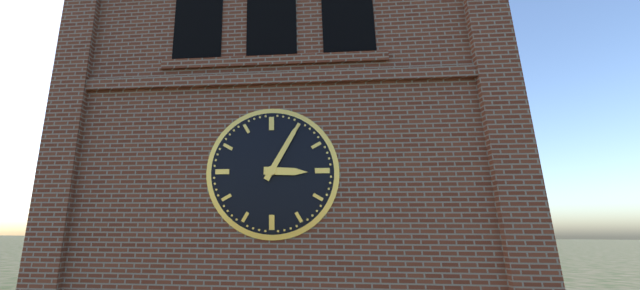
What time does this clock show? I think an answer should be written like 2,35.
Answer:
3,05
